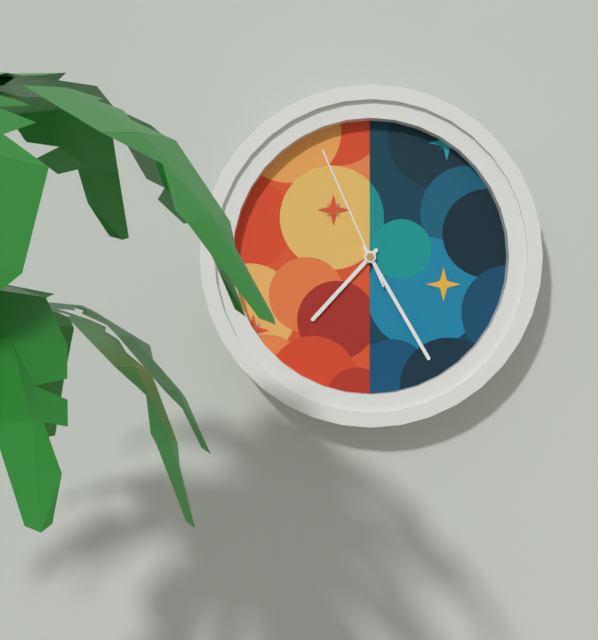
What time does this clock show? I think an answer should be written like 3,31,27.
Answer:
7,25,56
